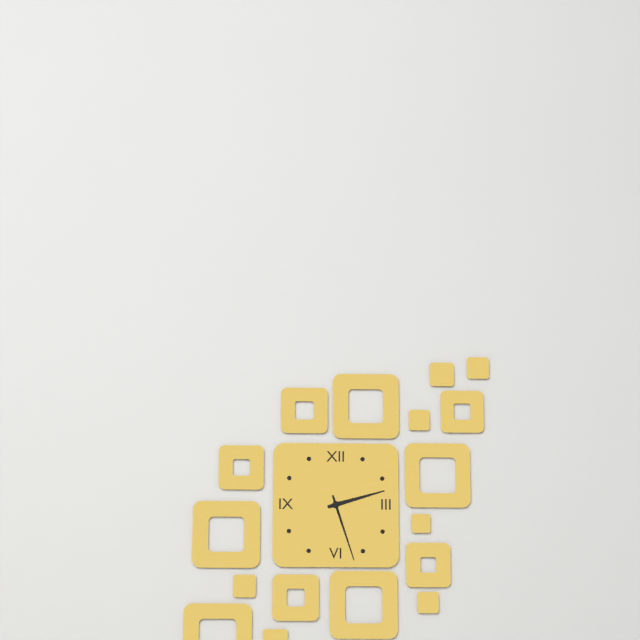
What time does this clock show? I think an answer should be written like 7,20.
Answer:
2,27
